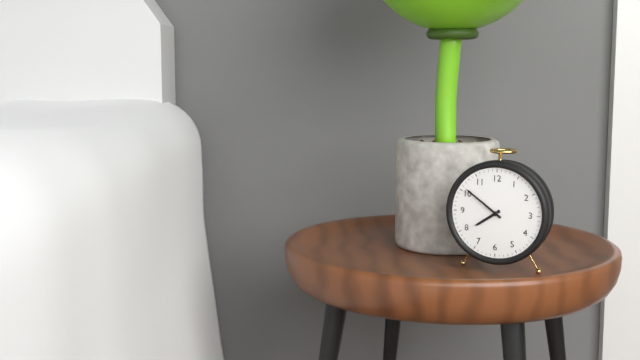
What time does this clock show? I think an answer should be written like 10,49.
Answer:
7,51
